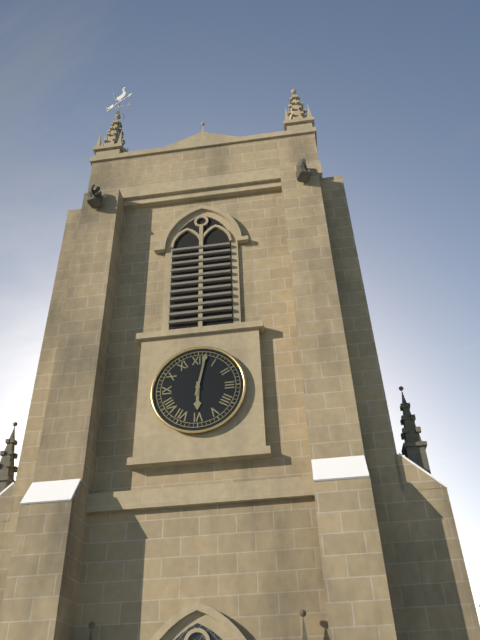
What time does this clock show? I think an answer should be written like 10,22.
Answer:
6,02
